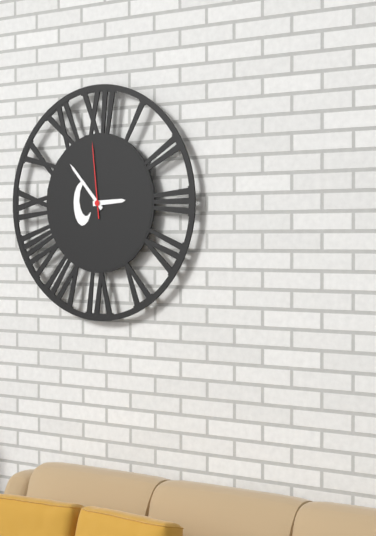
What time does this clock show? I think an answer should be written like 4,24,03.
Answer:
2,53,59
